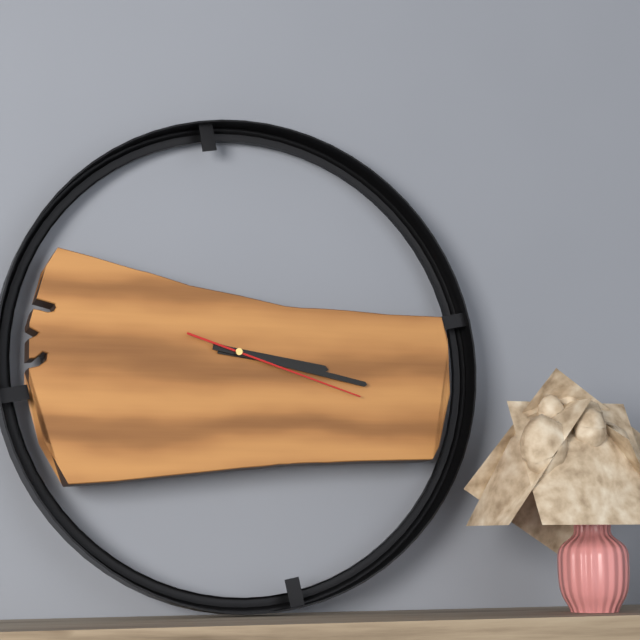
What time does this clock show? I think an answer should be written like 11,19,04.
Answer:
3,17,18
